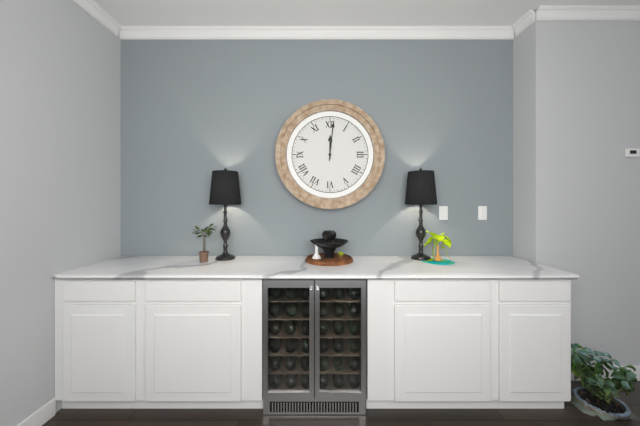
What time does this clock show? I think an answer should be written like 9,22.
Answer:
12,01
